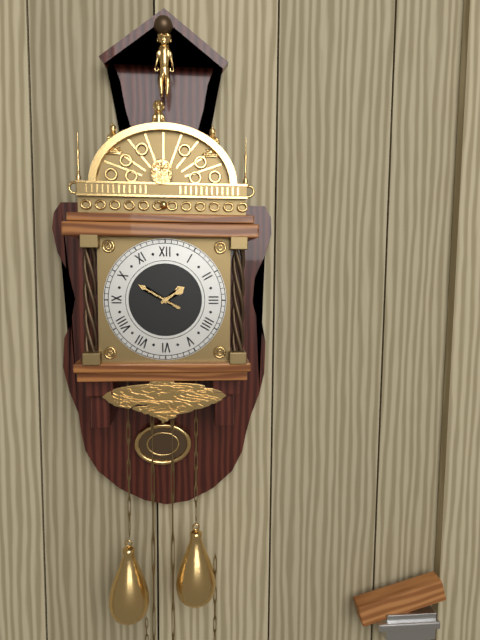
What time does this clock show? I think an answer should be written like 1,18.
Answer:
1,50
